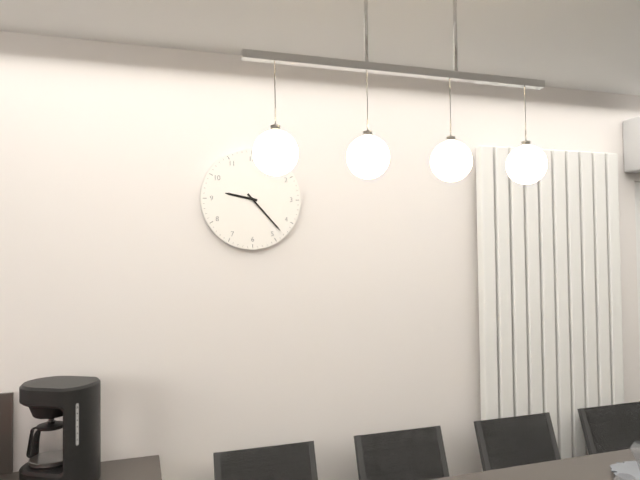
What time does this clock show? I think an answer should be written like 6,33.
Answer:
9,23
